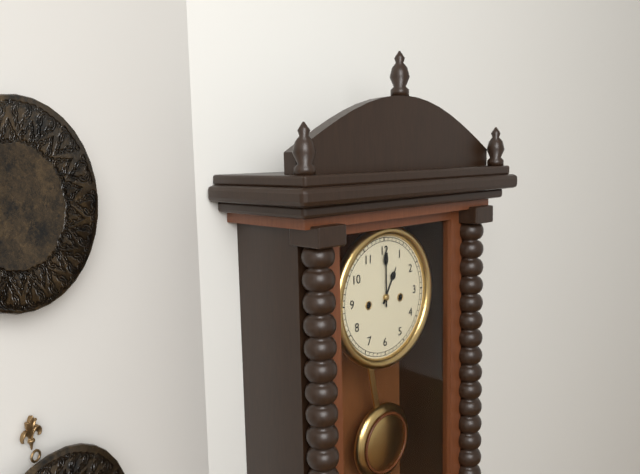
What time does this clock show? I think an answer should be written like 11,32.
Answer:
1,00
